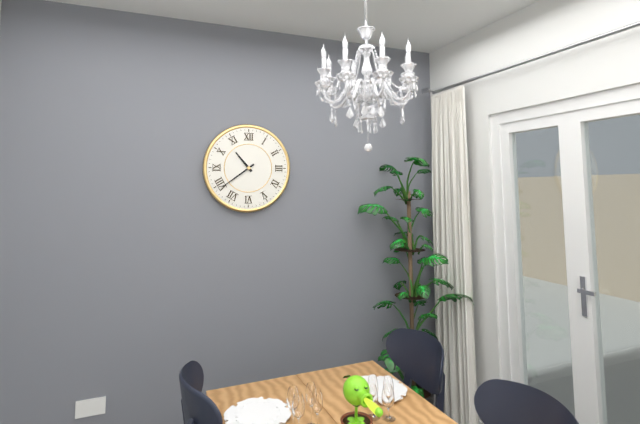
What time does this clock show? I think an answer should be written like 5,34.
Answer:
10,39
